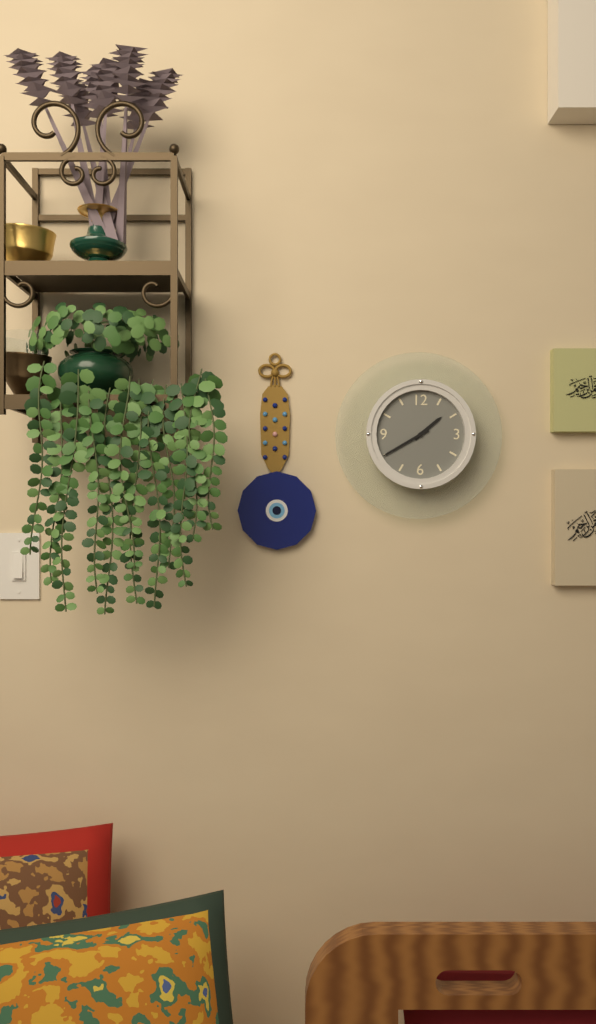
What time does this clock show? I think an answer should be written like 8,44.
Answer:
1,40
